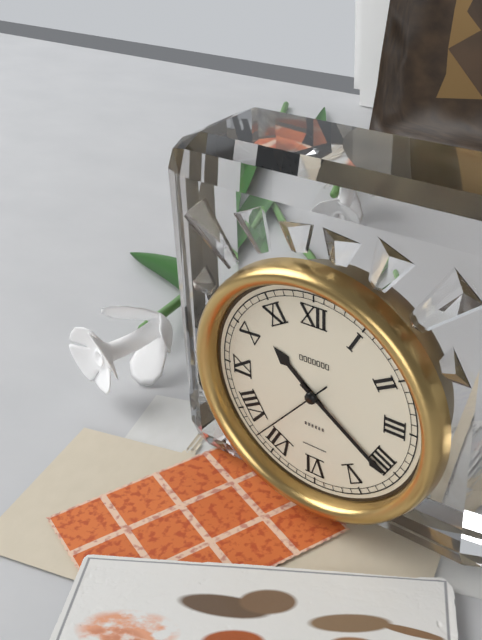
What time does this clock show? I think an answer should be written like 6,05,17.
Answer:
10,21,37
